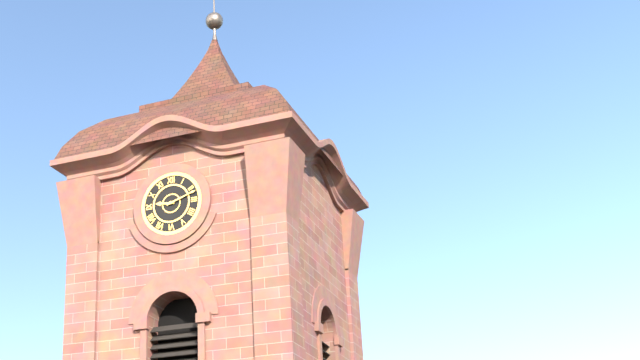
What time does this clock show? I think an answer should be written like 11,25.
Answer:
9,12
